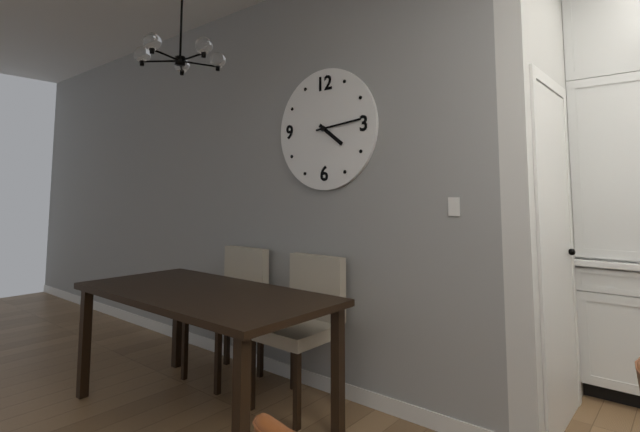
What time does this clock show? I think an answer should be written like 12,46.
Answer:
4,14
